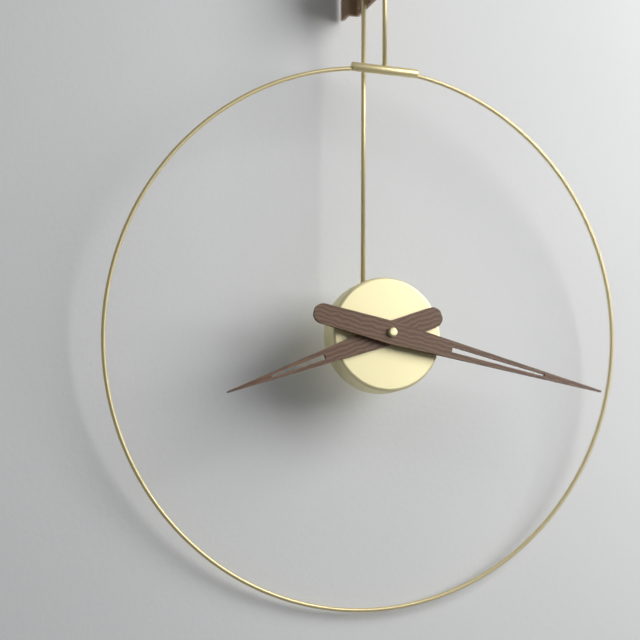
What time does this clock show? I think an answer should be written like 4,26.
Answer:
8,17
